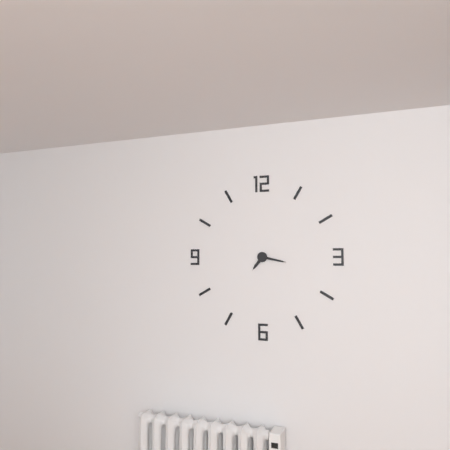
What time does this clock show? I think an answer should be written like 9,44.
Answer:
7,17
